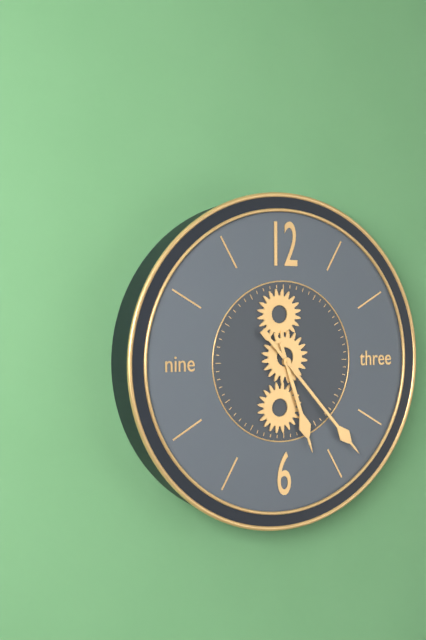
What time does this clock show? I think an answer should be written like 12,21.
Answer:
5,23
